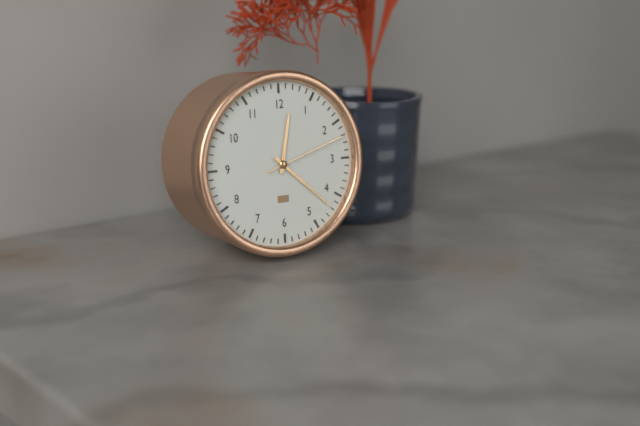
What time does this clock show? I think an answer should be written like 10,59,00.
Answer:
12,22,12
